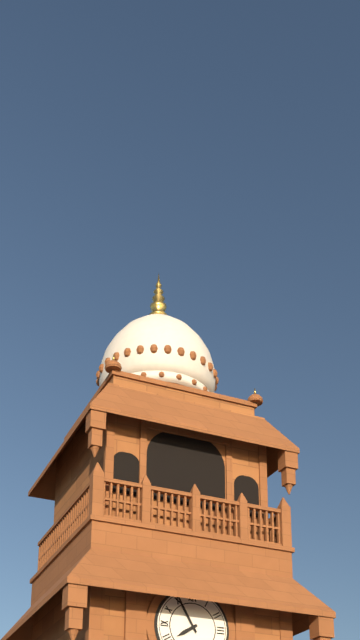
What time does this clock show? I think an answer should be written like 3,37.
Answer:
7,55
